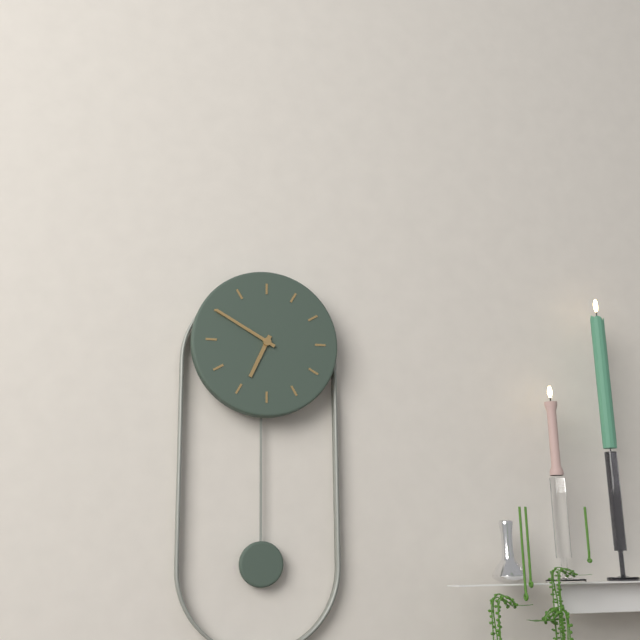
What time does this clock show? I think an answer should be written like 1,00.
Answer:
6,50
